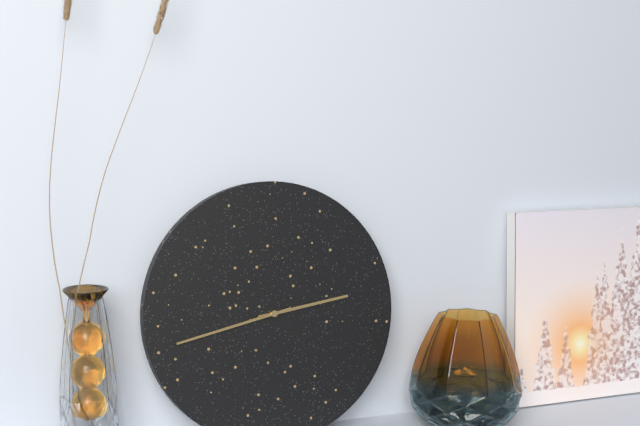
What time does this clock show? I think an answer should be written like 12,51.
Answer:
2,43
